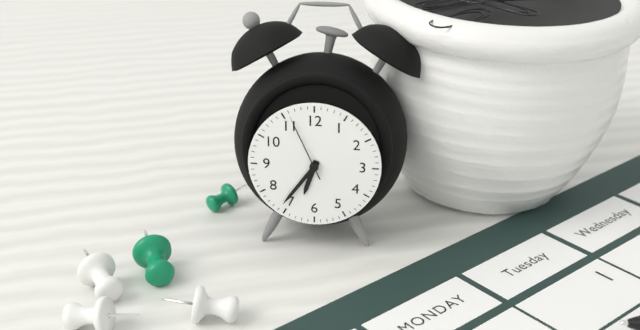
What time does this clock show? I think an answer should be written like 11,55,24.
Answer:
6,36,56
